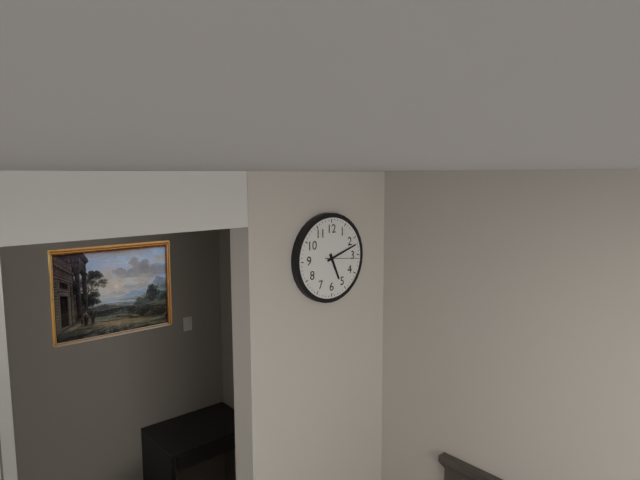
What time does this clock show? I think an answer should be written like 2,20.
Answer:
5,12
